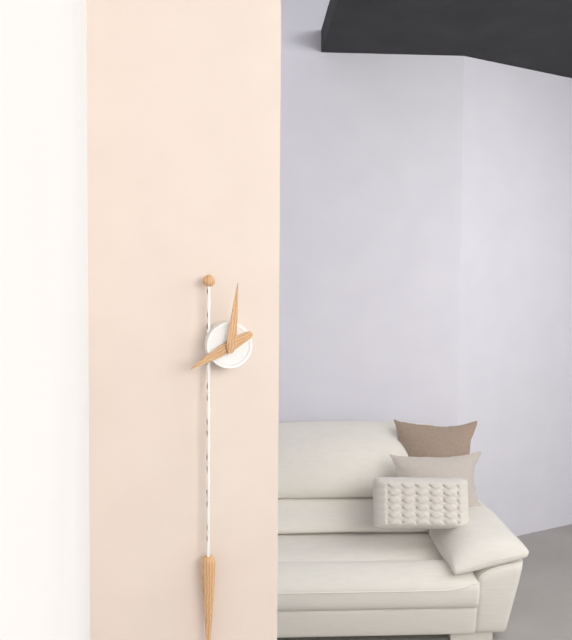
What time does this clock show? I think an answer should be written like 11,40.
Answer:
8,01
